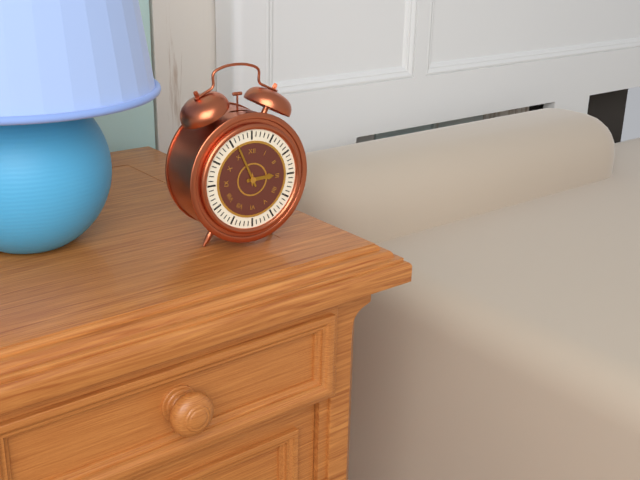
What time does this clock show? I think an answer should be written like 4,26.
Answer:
2,56
